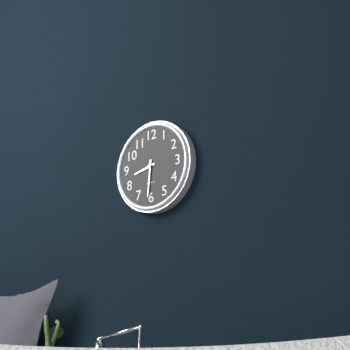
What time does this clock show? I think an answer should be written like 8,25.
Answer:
8,31
